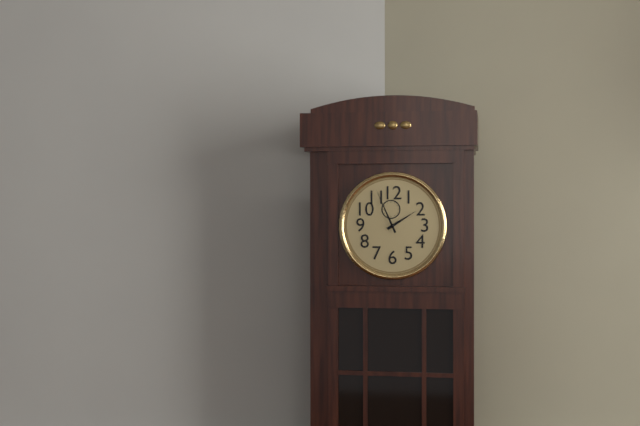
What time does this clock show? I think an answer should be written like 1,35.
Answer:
1,56
